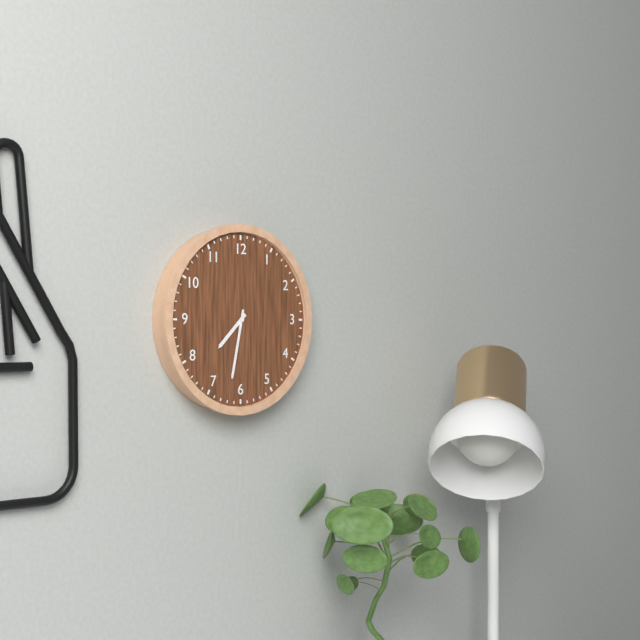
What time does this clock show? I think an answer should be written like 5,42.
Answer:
7,32
